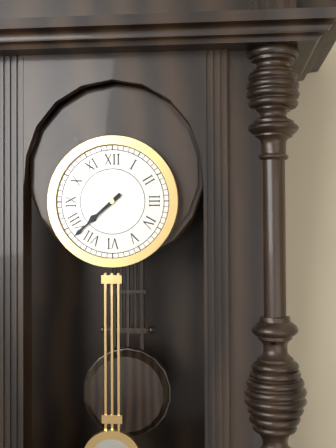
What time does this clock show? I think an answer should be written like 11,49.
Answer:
7,38
